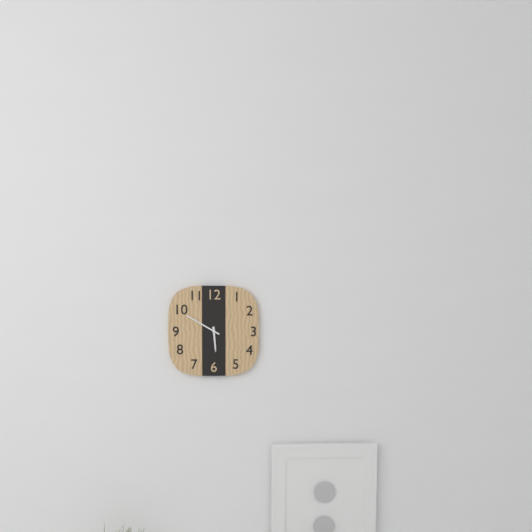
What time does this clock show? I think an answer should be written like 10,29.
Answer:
5,50
